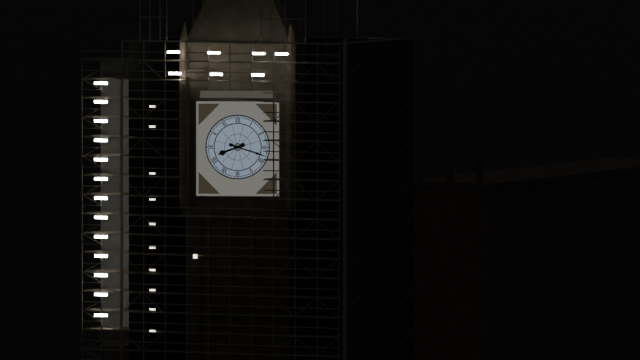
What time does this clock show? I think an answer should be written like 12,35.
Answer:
8,18
